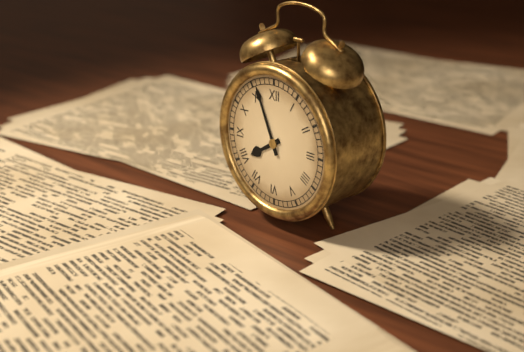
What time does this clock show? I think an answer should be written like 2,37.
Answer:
7,56
